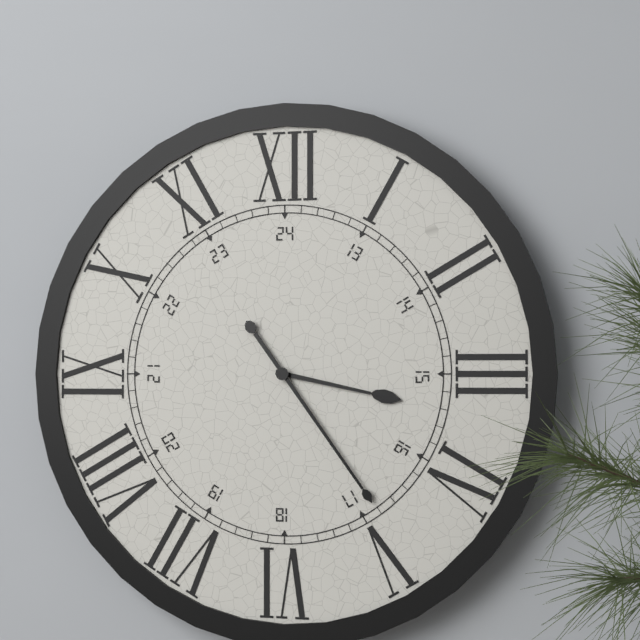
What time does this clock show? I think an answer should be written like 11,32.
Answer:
3,24
